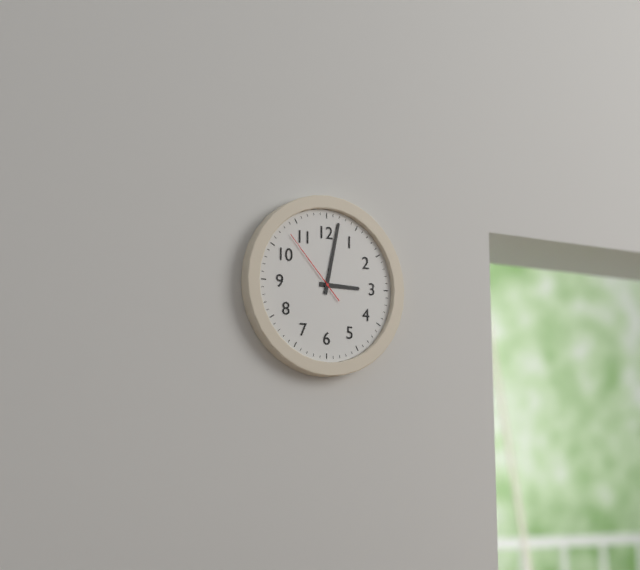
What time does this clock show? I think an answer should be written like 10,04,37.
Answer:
3,02,53
